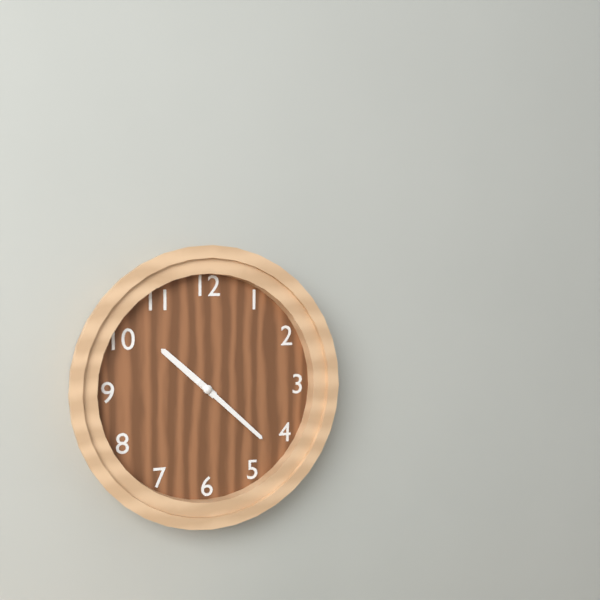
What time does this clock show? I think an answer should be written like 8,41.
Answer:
10,22
